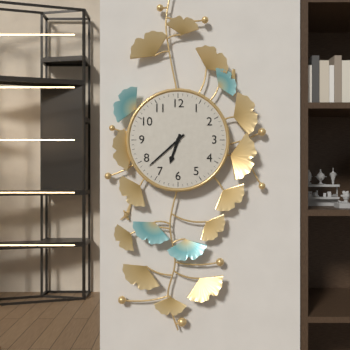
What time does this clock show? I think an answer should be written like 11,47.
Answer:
6,38
